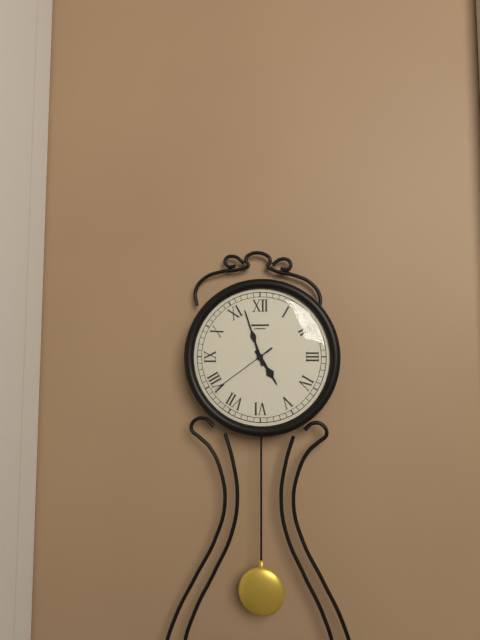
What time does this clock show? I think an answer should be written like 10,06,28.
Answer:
4,57,39
